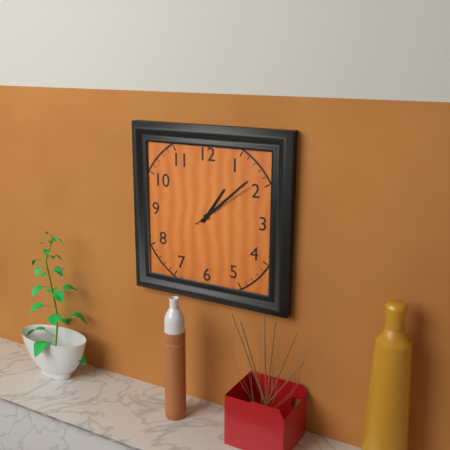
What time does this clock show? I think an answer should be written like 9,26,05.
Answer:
1,08,09
